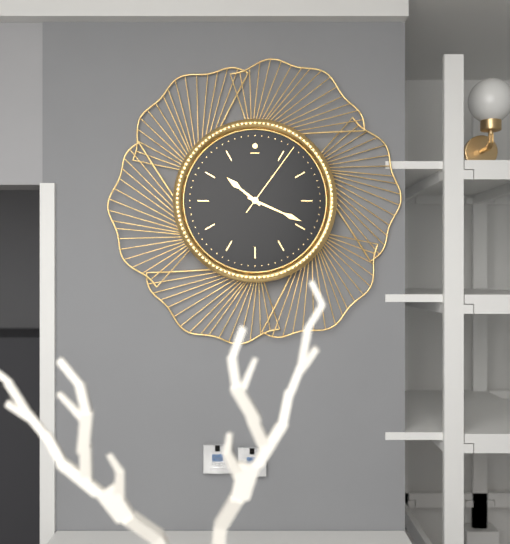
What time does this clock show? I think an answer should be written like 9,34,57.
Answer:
10,19,06
